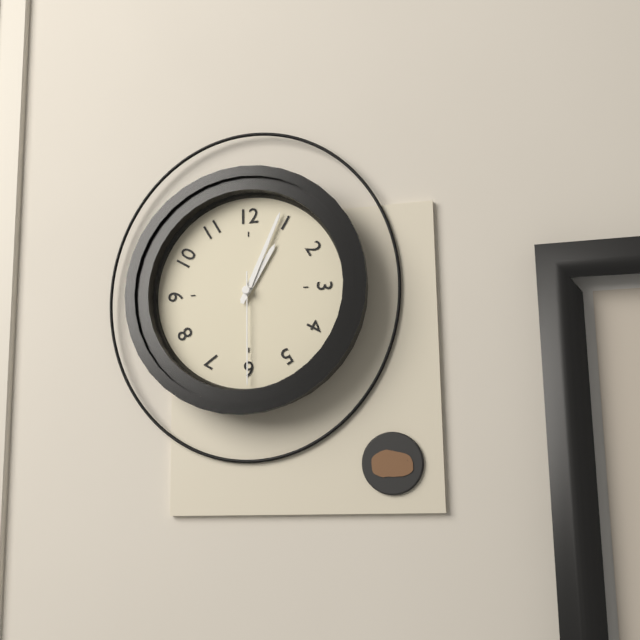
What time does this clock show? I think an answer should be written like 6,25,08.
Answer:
1,04,30
